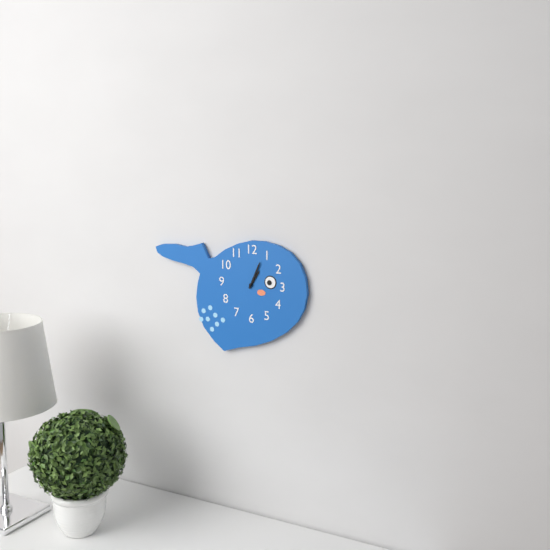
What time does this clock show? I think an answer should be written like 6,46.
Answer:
1,04
